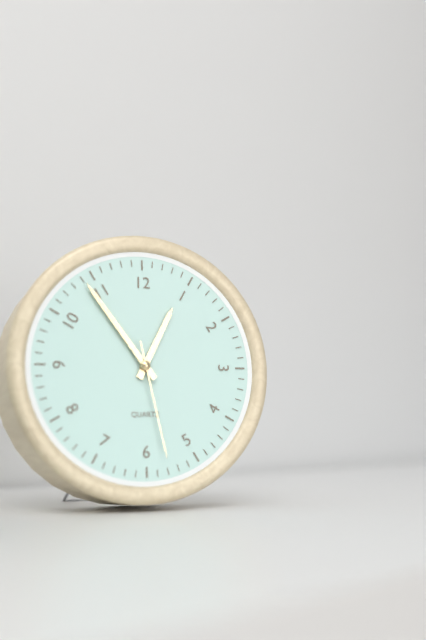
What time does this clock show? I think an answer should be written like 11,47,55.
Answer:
12,54,28
